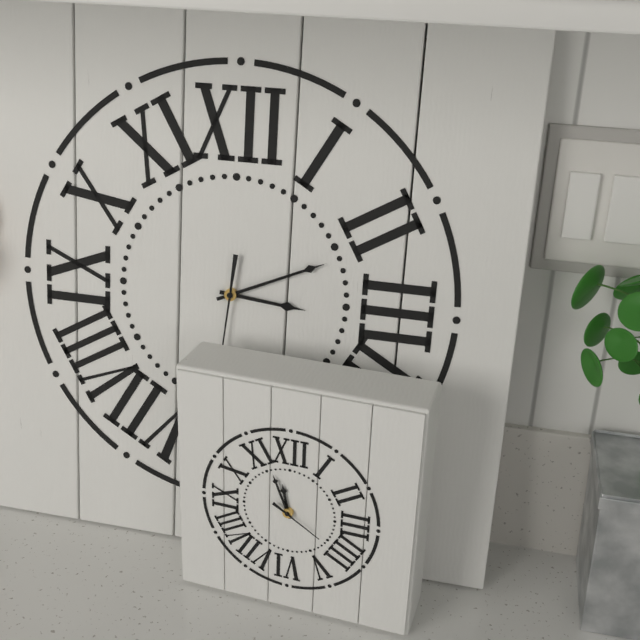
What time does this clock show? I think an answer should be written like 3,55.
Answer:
3,11
